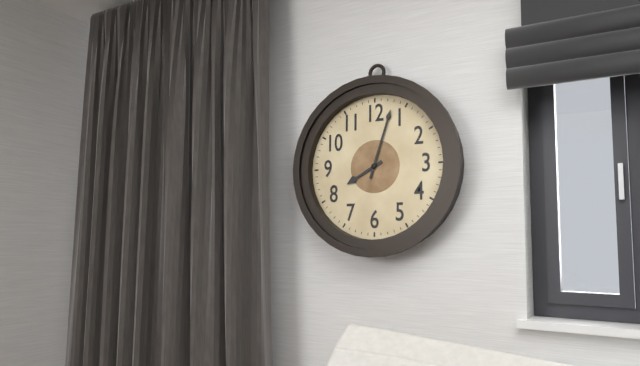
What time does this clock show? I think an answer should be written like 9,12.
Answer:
8,03
